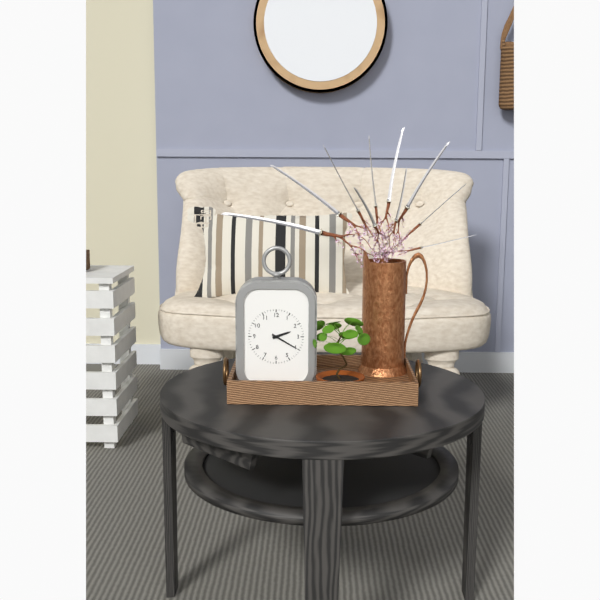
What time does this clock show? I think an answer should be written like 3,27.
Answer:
2,20
